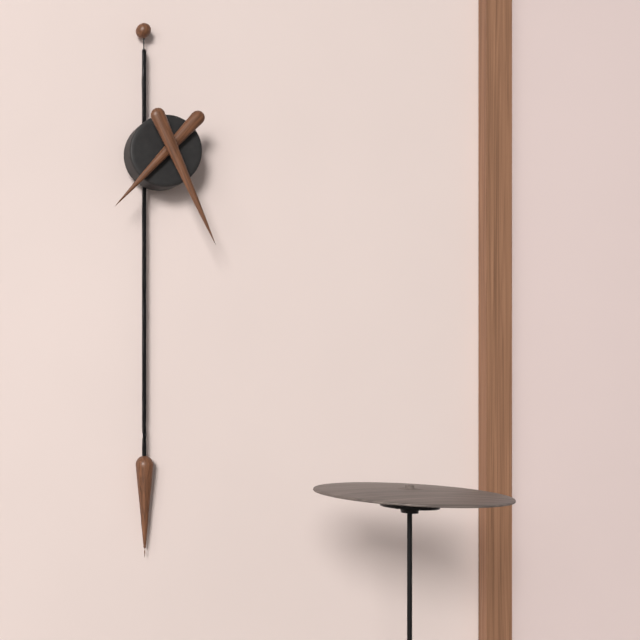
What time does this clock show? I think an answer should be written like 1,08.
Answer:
7,26
